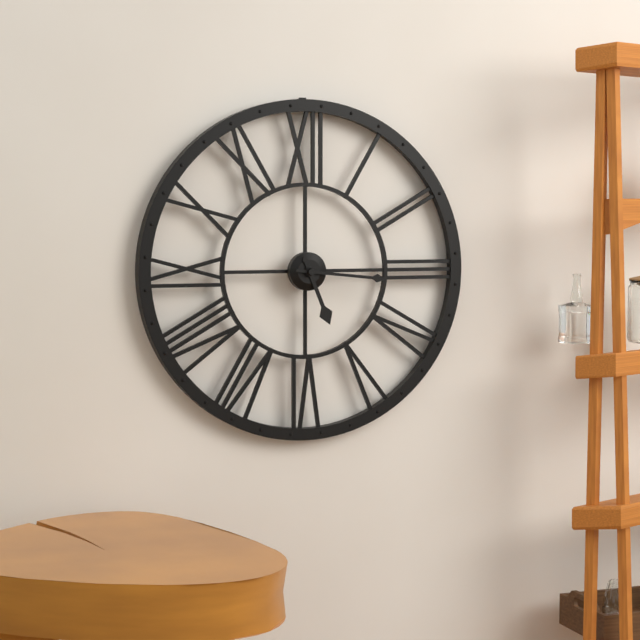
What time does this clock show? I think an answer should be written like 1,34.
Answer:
5,16
